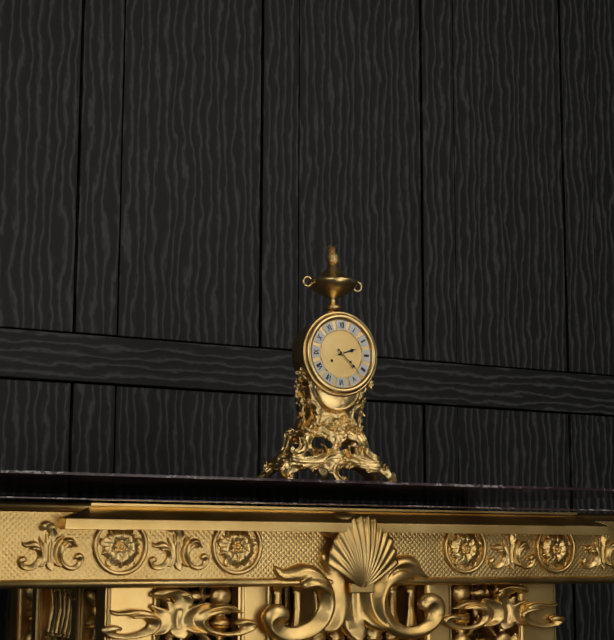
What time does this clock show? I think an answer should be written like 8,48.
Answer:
2,22
